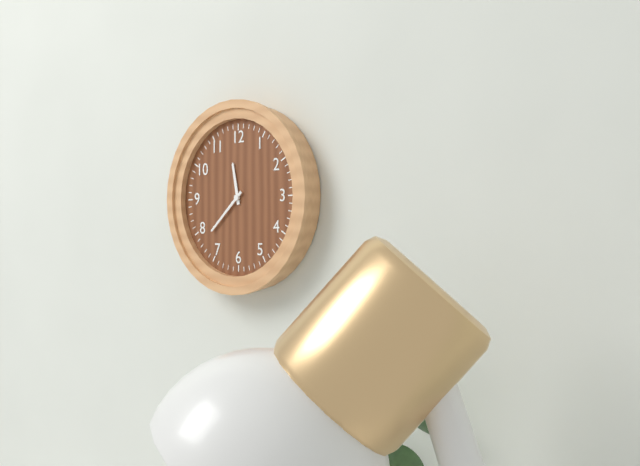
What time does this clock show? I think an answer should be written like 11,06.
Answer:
11,38
